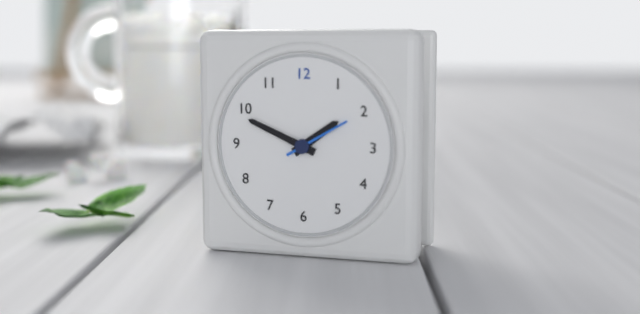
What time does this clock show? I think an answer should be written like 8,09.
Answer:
1,49
